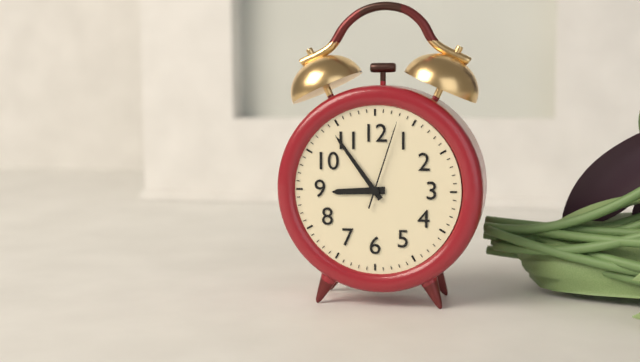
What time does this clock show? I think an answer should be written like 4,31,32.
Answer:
8,54,03
